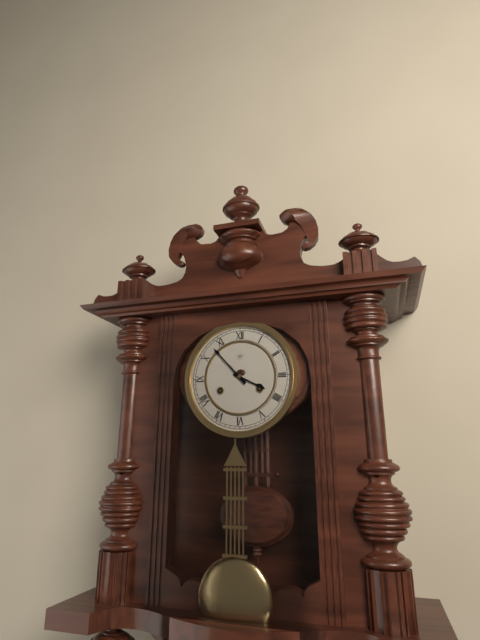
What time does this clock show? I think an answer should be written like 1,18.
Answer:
3,53
